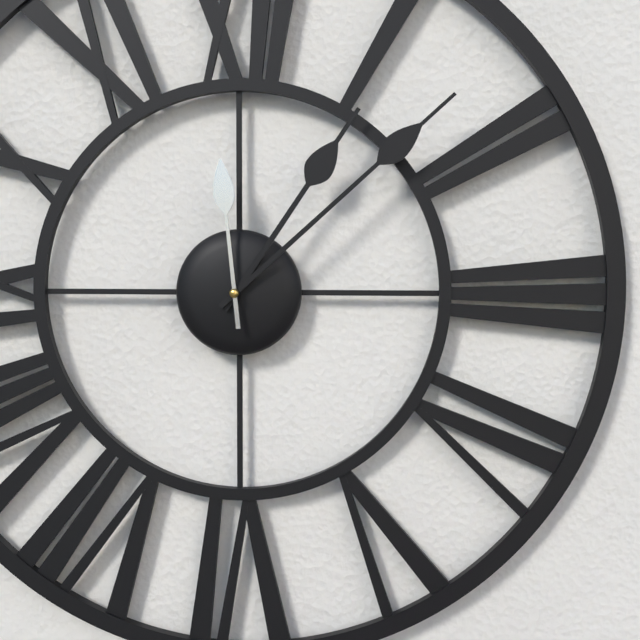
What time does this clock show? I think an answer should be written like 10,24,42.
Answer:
1,08,59
